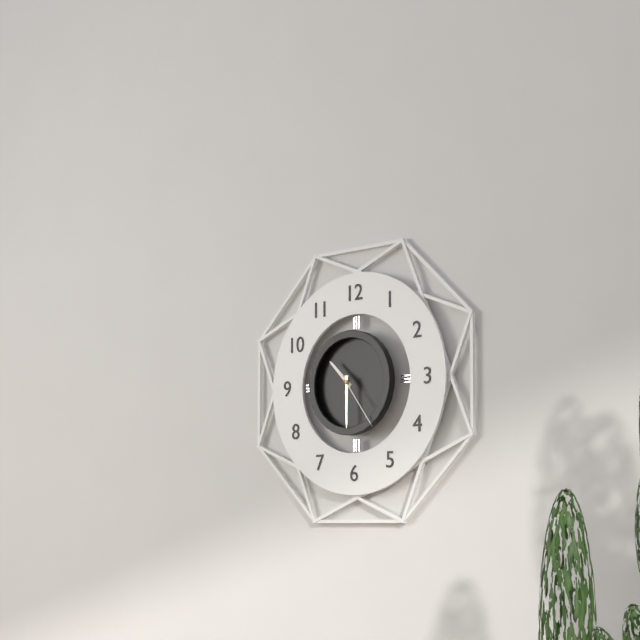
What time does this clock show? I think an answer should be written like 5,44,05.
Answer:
10,30,24
